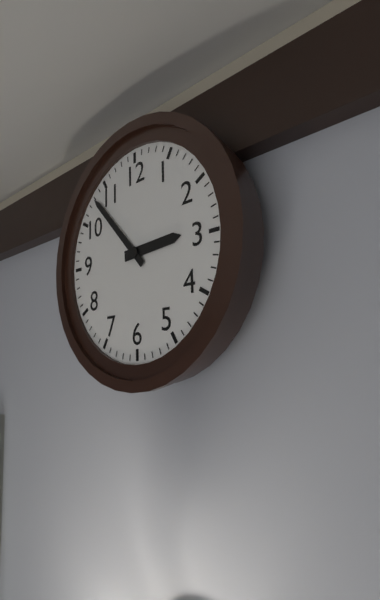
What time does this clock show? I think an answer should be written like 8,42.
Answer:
2,53
